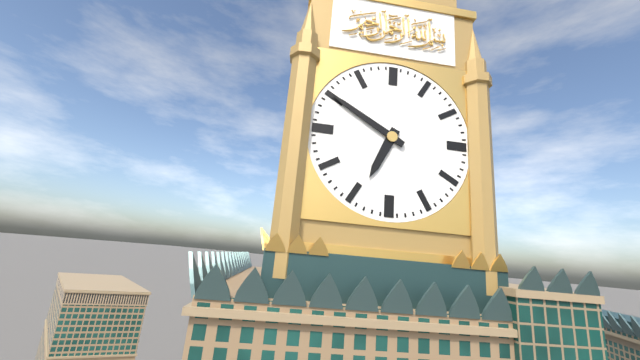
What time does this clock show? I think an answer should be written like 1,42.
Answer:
6,50
